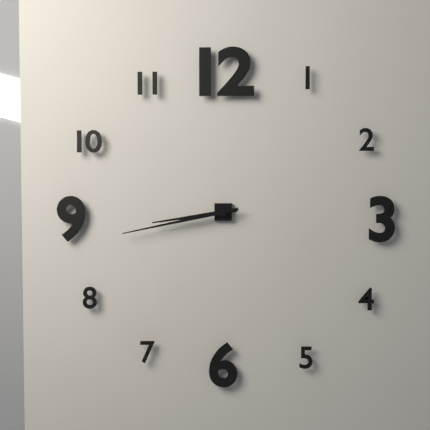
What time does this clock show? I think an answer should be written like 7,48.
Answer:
8,43
